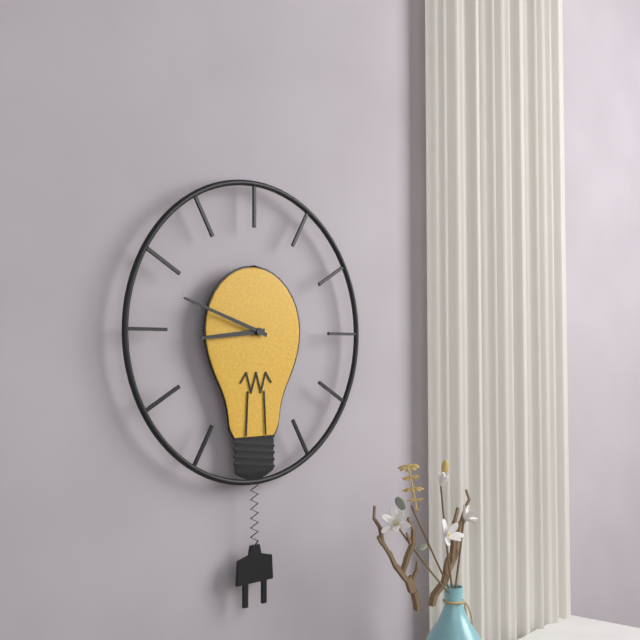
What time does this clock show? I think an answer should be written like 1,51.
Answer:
8,48
